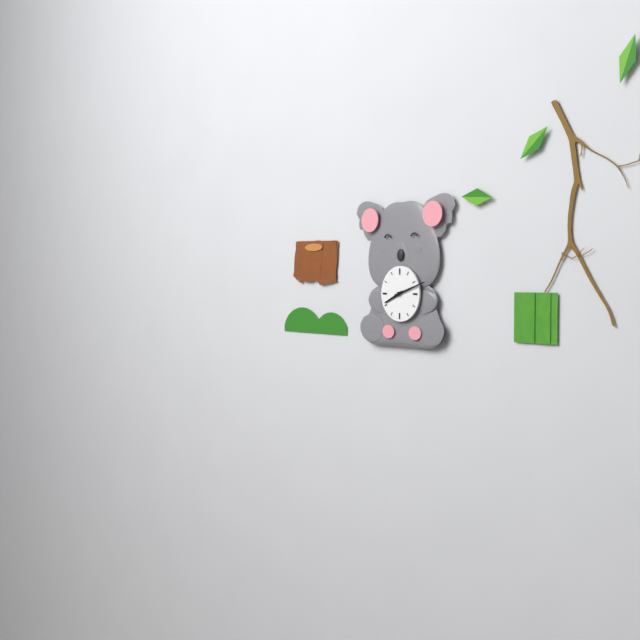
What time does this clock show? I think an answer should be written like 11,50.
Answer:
8,12
